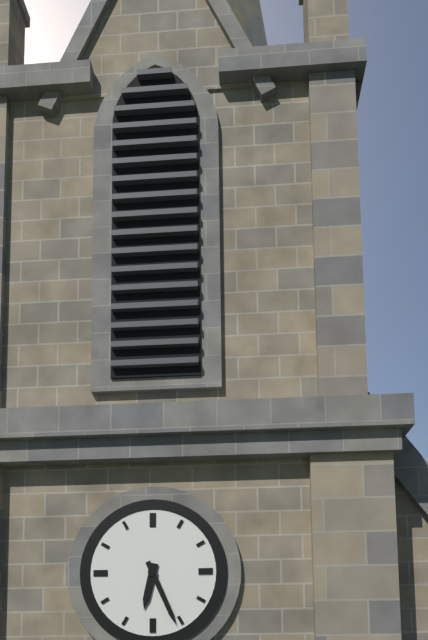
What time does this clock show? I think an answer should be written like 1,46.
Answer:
6,26
